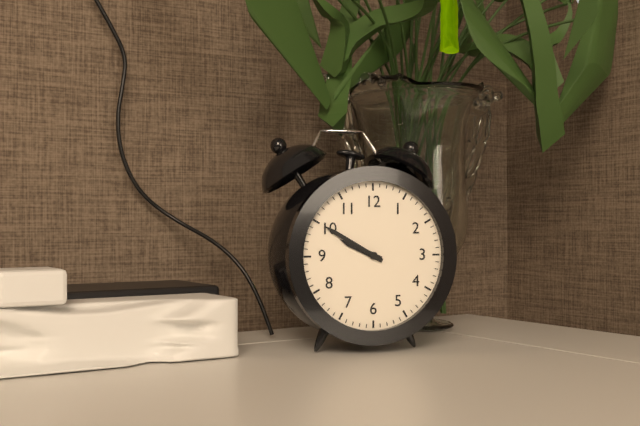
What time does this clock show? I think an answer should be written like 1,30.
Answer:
9,50
